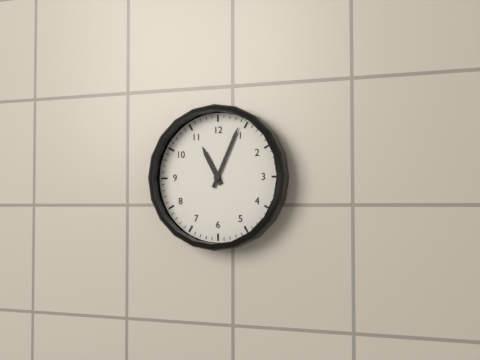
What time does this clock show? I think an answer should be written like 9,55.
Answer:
11,04
